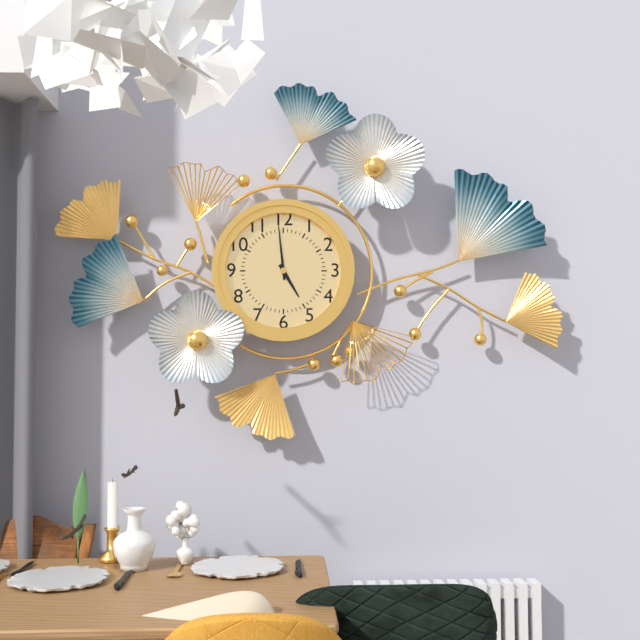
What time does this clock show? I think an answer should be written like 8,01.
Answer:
4,59
